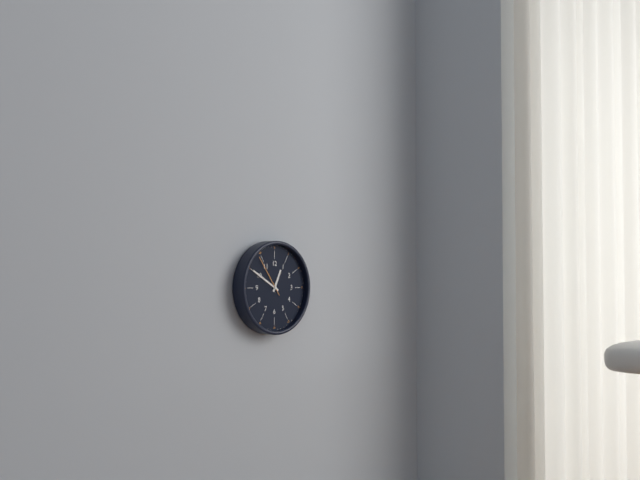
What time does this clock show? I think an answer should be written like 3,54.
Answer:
12,50
